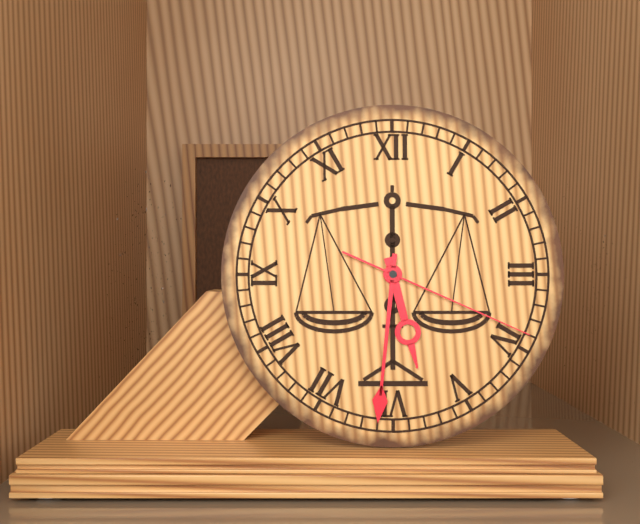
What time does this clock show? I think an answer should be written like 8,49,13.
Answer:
5,31,19
